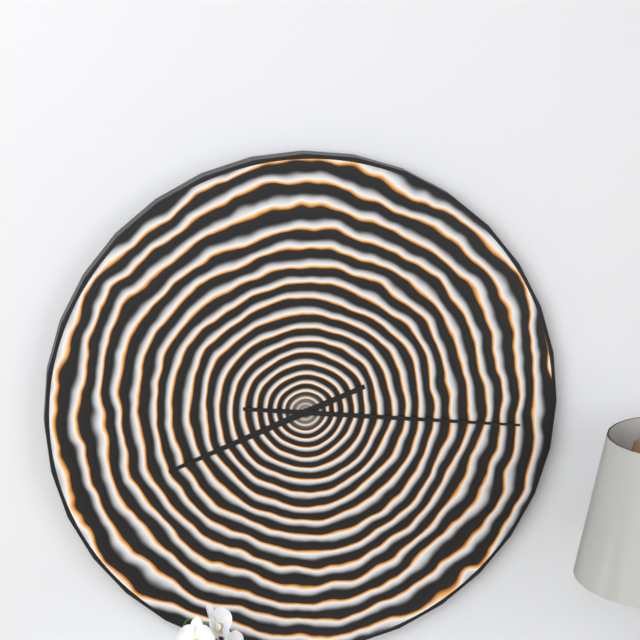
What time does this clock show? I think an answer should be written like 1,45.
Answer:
8,16
